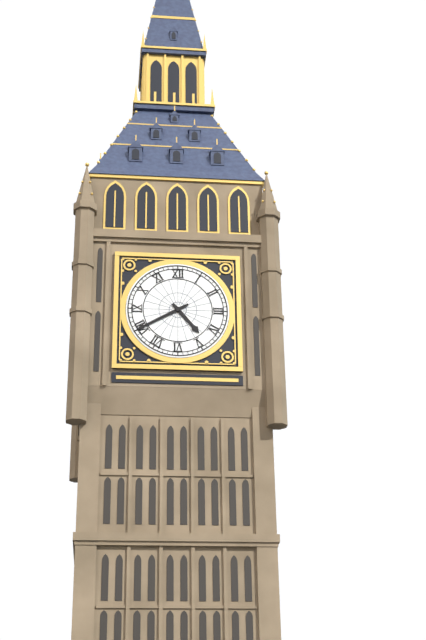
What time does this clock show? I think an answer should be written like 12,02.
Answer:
4,40
